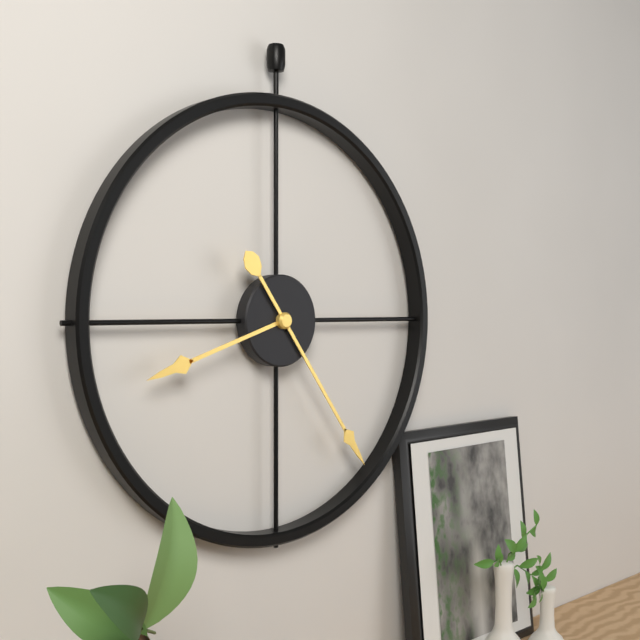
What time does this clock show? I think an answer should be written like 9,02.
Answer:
8,24
